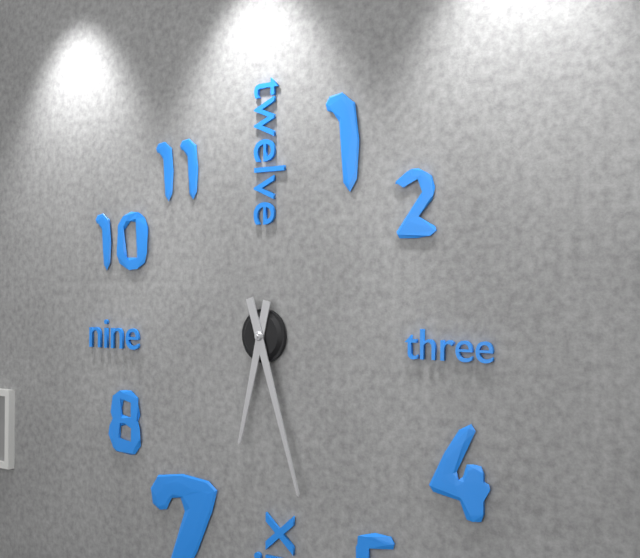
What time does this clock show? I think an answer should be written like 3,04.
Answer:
6,27
